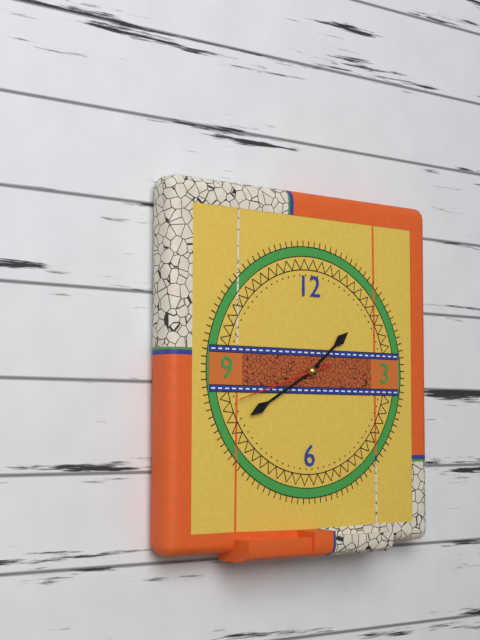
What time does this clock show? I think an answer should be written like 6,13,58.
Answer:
1,40,42
